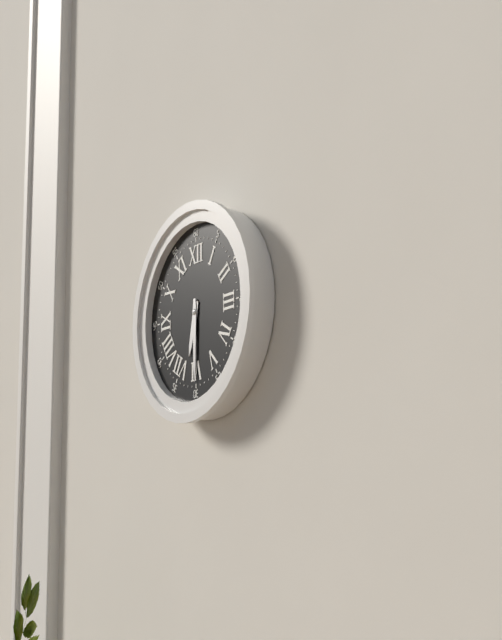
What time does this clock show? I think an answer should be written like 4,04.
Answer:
6,30
